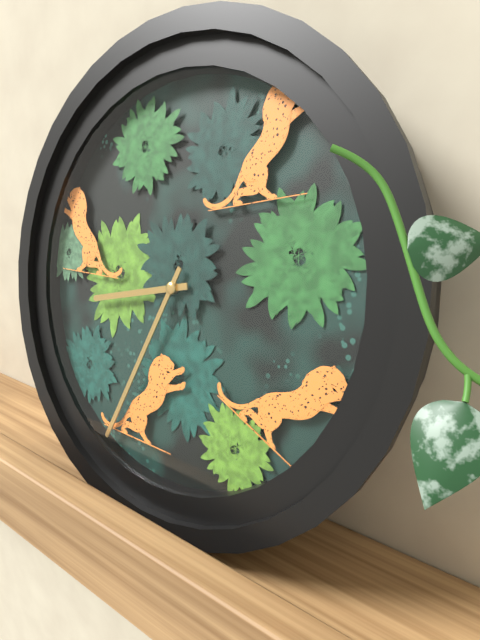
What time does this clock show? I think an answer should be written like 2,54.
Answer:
8,34
